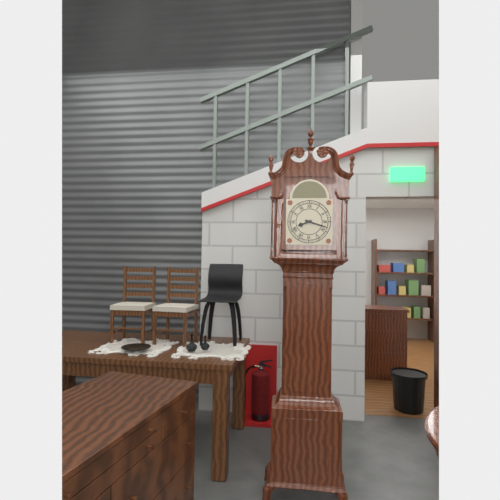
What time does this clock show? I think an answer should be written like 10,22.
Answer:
8,18
